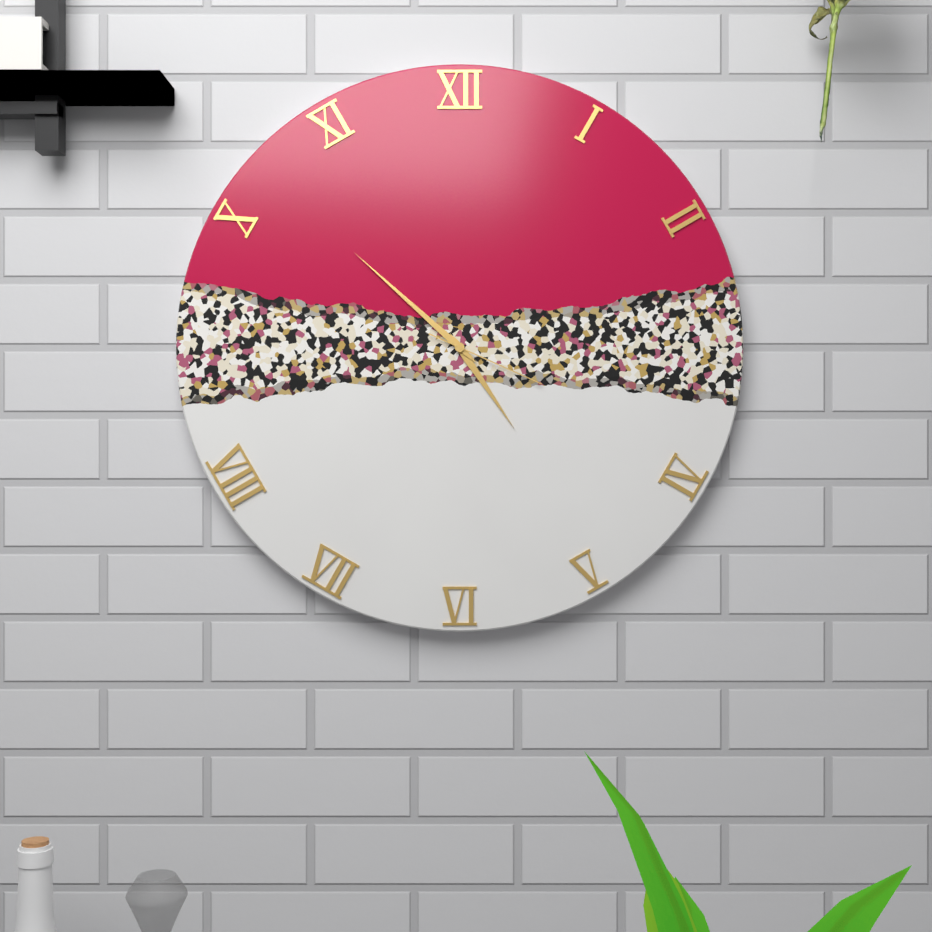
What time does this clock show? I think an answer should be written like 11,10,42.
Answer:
4,52,19
